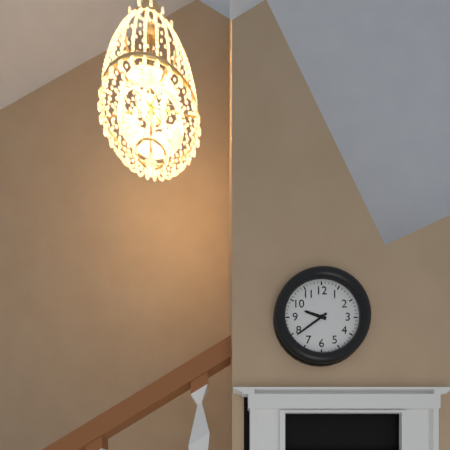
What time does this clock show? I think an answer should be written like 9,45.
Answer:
9,39
